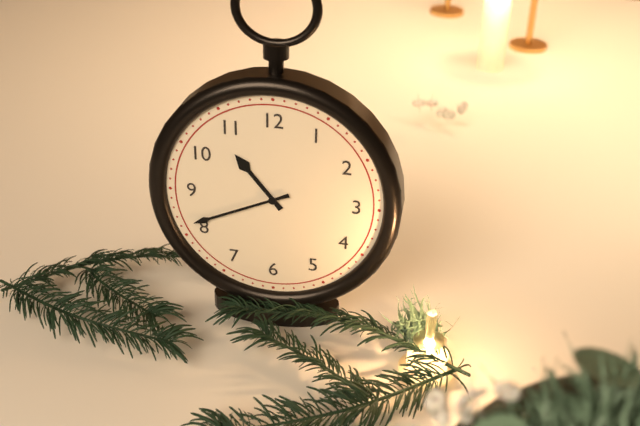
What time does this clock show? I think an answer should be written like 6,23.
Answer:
10,41
